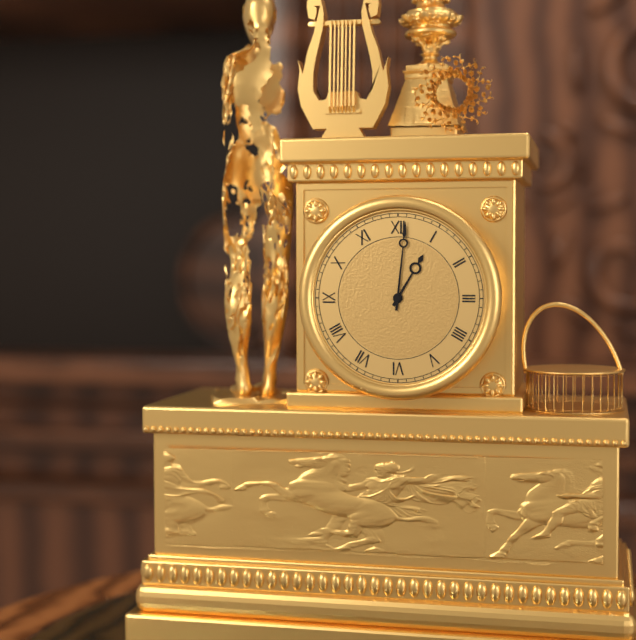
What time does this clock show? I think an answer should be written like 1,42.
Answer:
1,01
